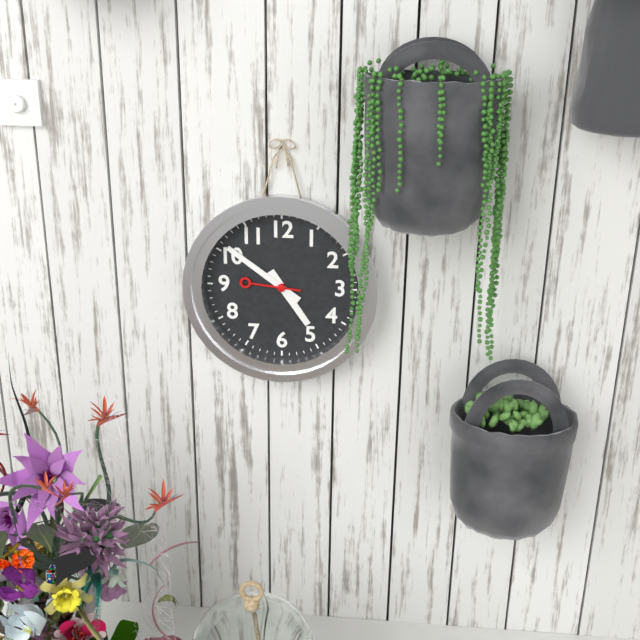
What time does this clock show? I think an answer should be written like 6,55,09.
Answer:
4,51,46
